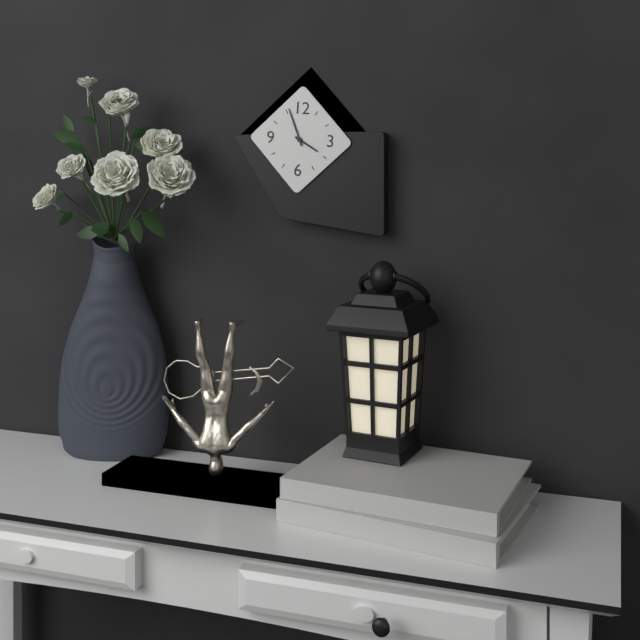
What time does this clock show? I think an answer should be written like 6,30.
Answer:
3,56
